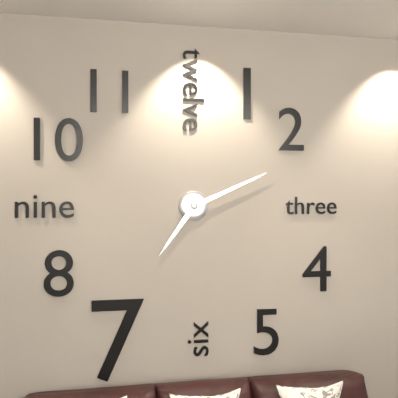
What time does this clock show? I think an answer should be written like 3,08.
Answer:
7,11
